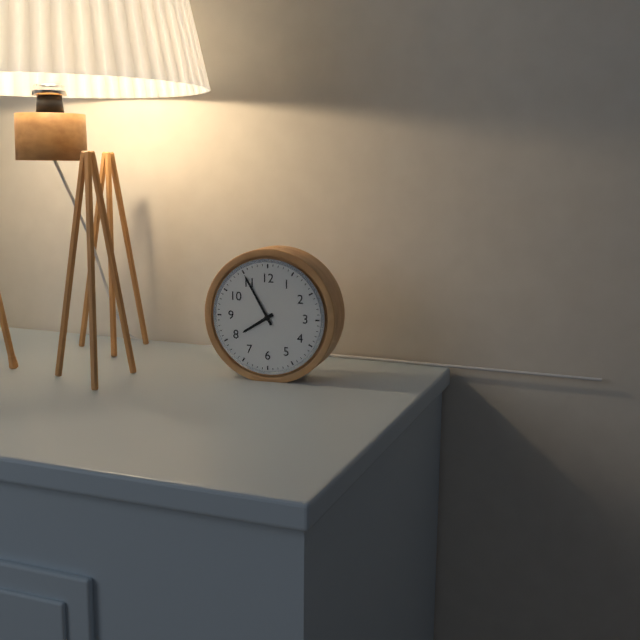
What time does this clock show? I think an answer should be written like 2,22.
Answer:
7,55
